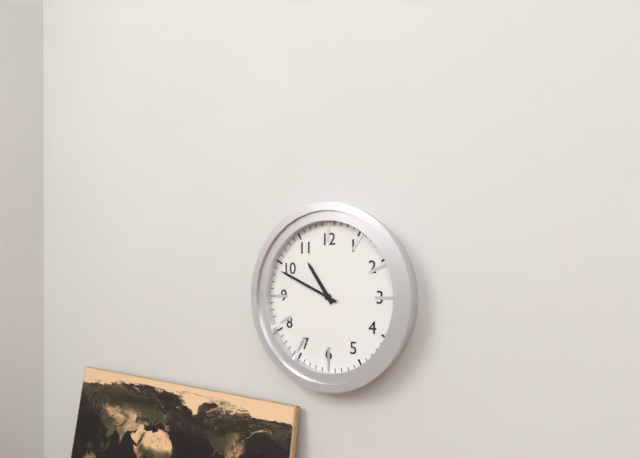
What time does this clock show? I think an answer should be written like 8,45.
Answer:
10,49
